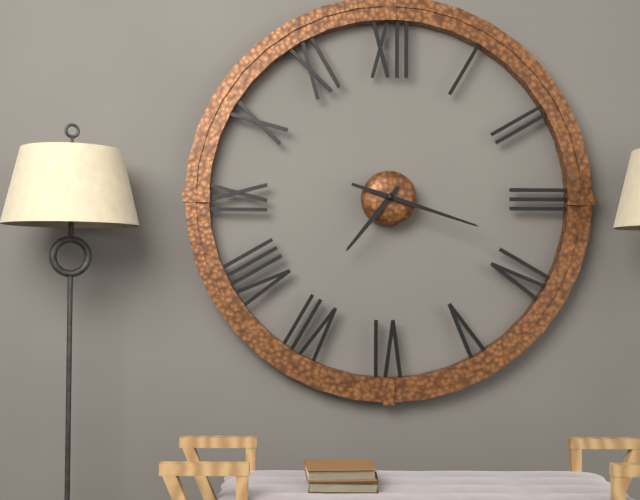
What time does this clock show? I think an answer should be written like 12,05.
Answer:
7,18
